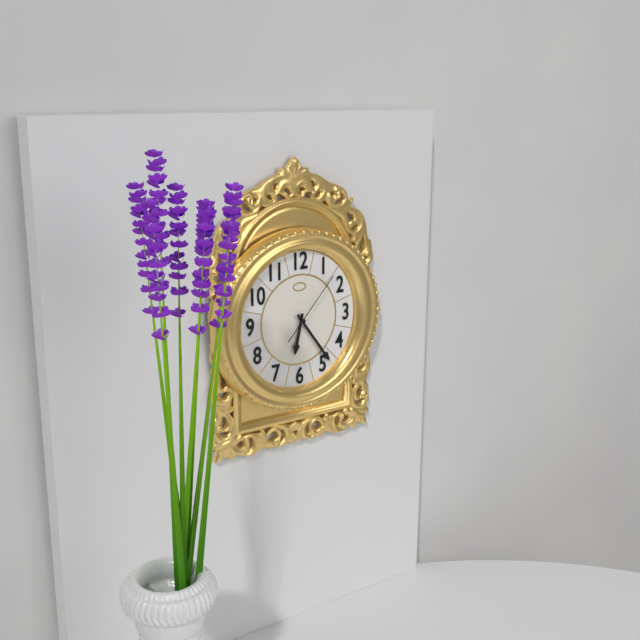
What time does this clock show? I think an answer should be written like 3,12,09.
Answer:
6,24,07
